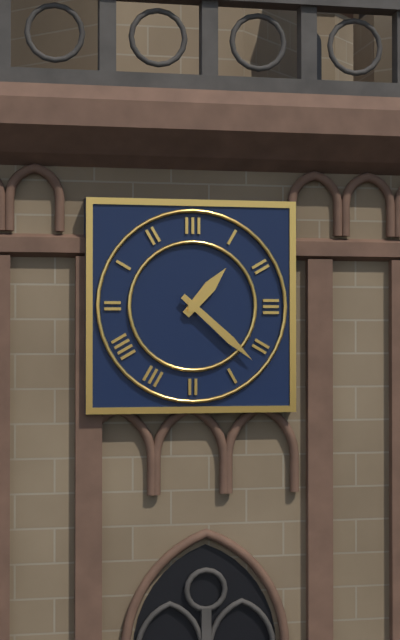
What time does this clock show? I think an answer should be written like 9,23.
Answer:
1,22
